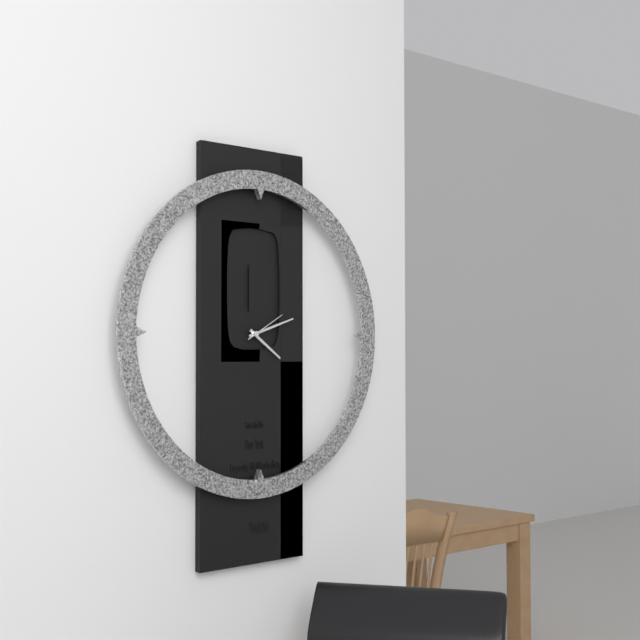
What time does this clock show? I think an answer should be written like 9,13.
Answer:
4,12
